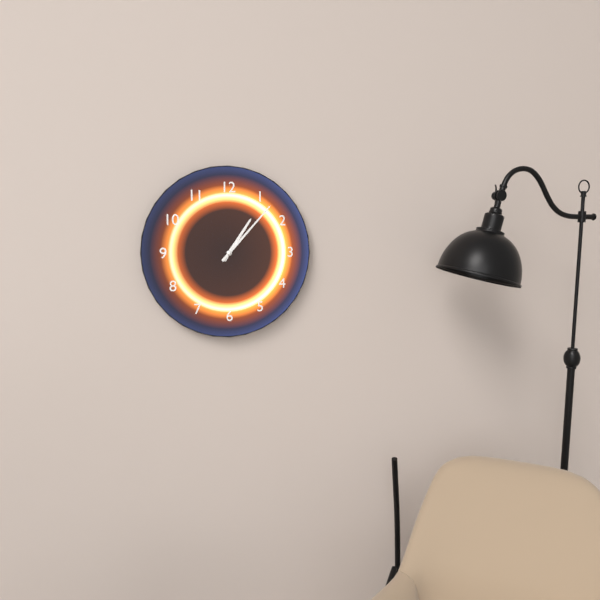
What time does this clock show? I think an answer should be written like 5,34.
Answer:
1,07
